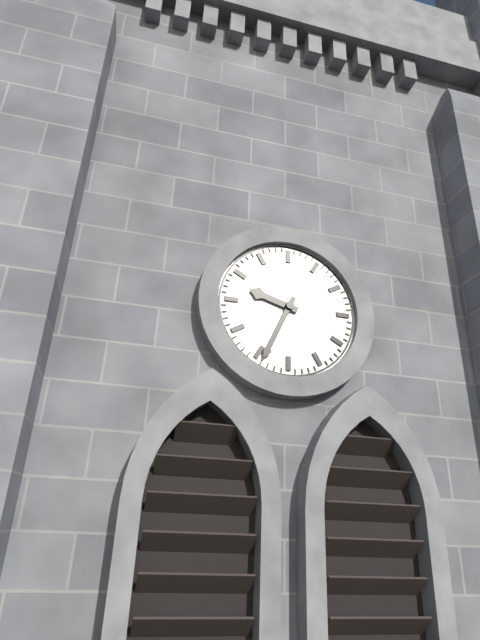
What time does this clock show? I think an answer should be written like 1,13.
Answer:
9,34
